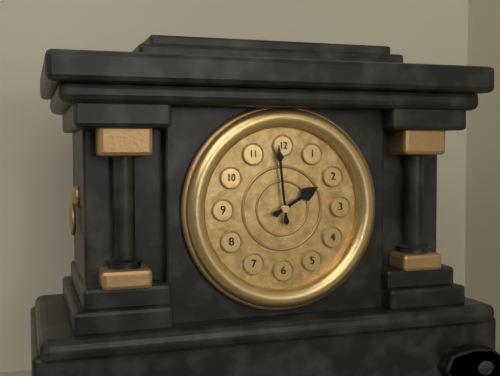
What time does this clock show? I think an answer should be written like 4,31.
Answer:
1,59
